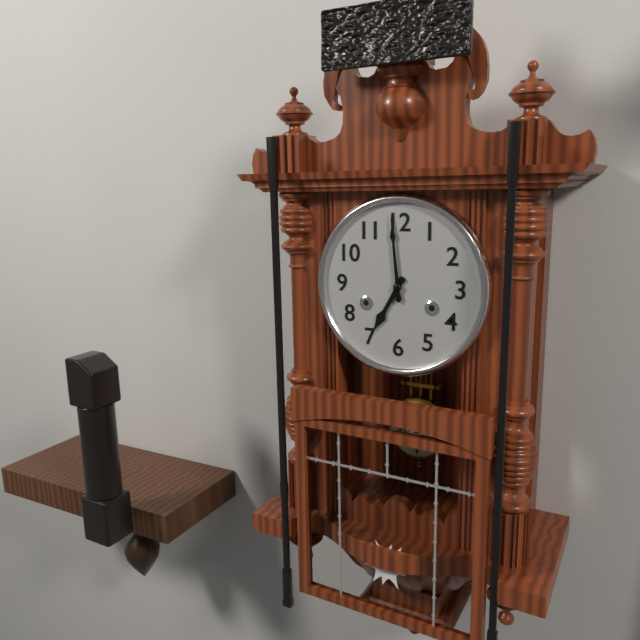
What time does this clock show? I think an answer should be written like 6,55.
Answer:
6,59
